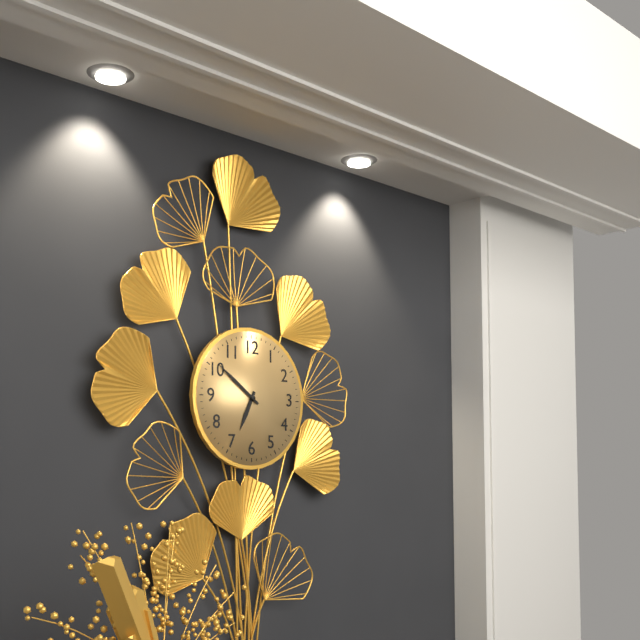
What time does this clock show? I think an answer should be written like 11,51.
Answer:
6,51
